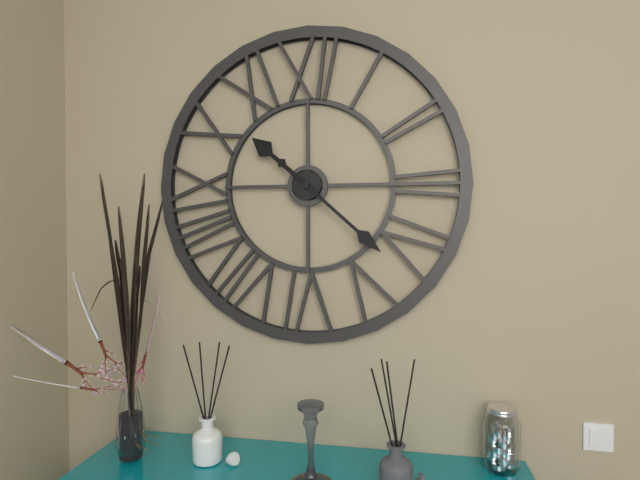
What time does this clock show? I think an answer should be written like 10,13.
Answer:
10,22
